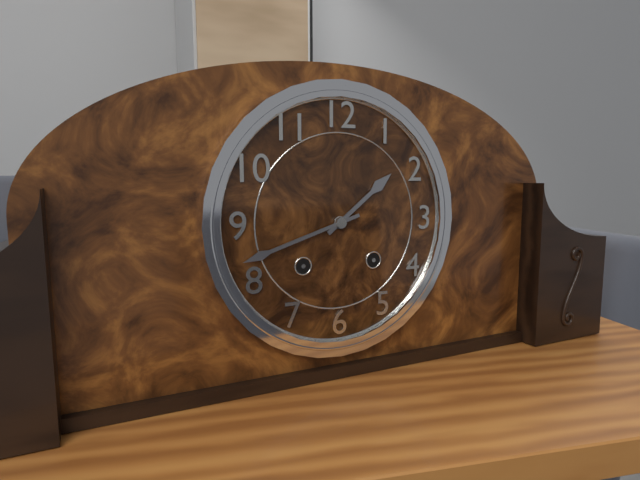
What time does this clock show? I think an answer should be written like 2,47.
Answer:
1,42
